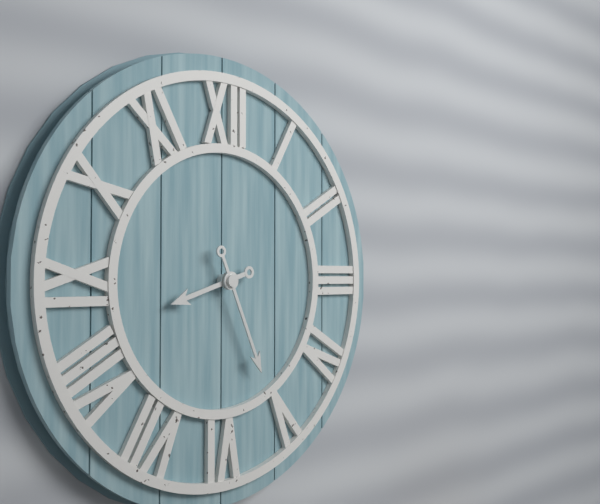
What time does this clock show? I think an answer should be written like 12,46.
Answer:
8,26
